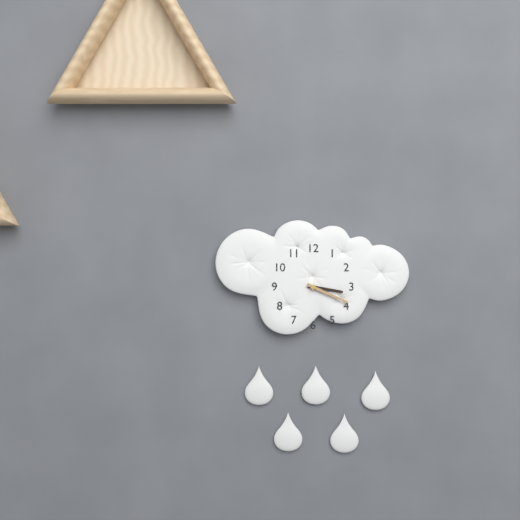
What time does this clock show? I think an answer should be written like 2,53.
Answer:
3,19
